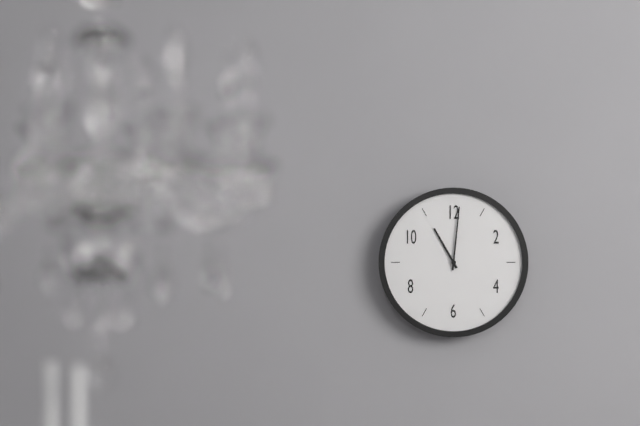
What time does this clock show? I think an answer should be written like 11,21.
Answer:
11,01
